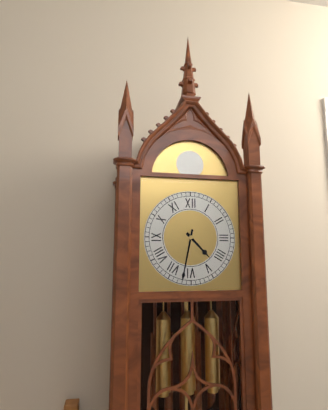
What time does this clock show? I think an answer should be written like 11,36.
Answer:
4,32
